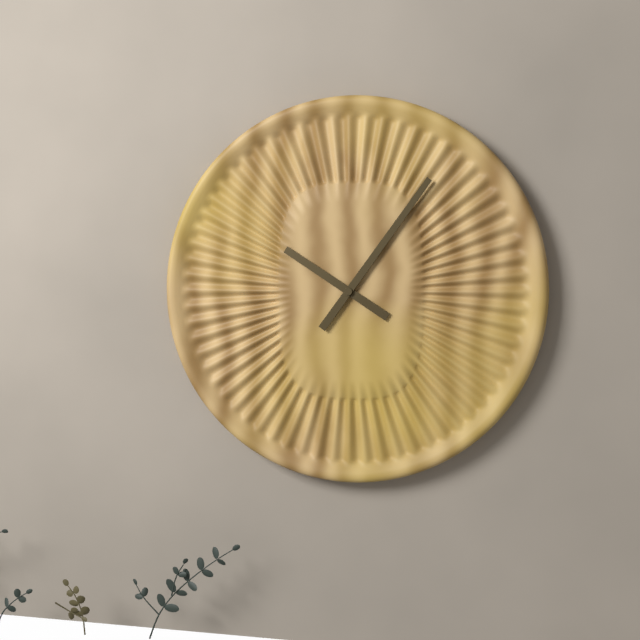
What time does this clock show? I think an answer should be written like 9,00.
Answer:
10,06
